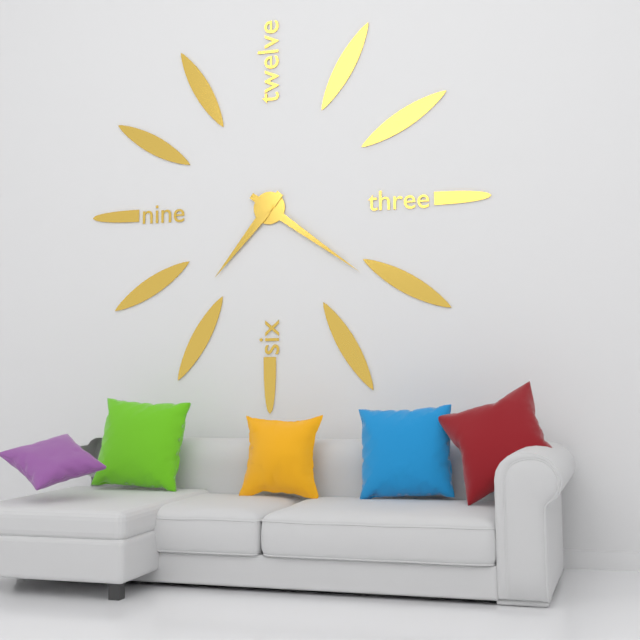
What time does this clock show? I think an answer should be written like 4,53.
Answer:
7,21
